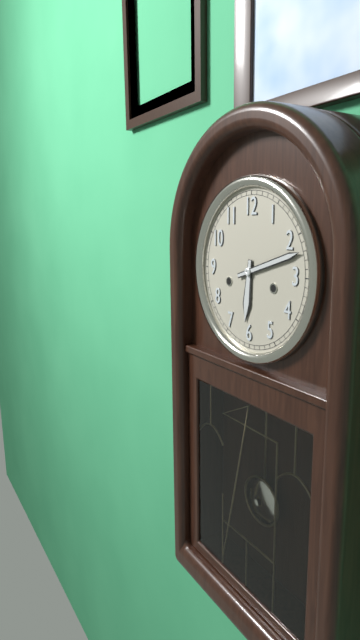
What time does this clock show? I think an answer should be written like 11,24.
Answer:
6,12
